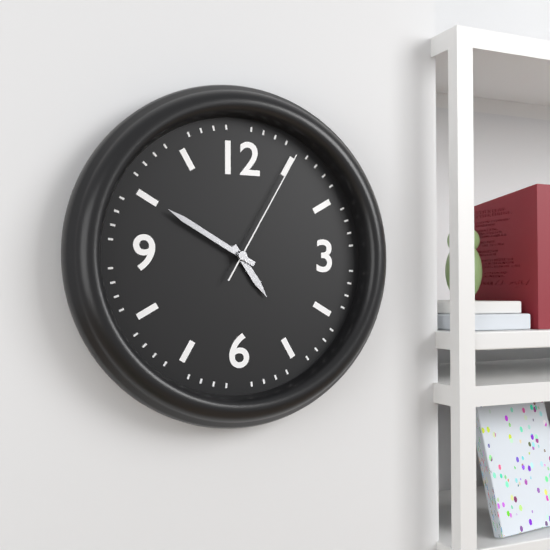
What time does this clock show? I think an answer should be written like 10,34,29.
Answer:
4,50,05
